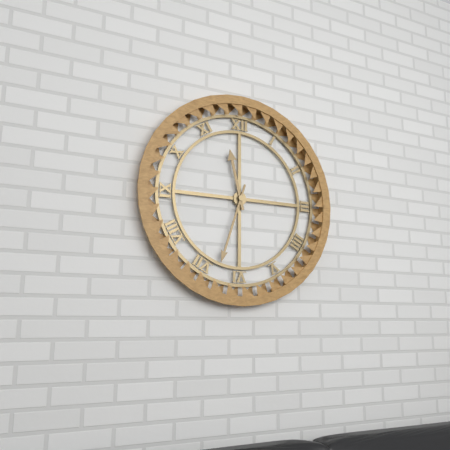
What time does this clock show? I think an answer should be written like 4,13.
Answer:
11,33
